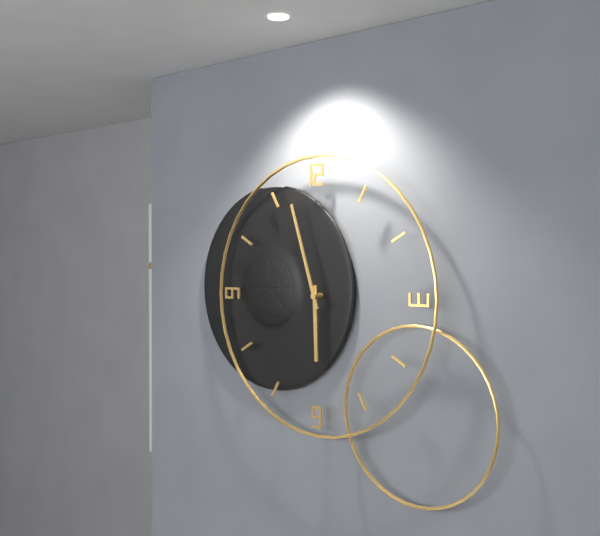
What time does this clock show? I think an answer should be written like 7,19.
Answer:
5,57
